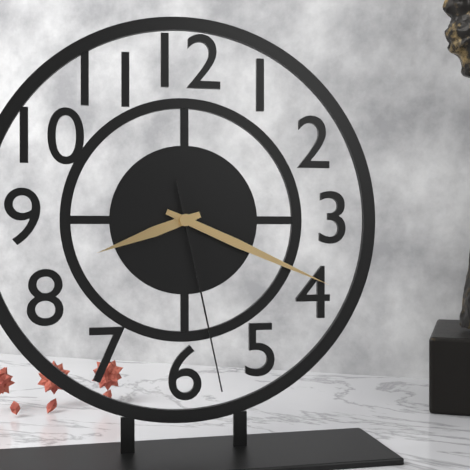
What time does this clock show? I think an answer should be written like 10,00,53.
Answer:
8,19,28
